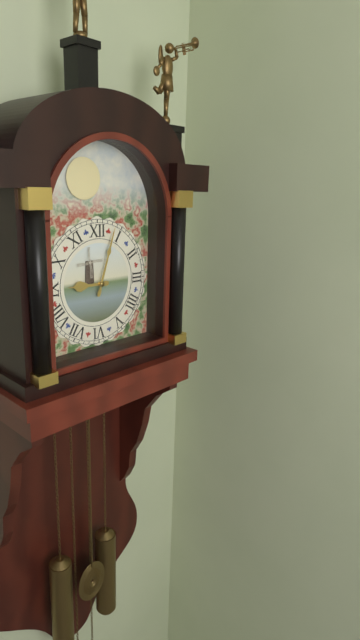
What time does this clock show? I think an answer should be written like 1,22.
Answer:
9,03
